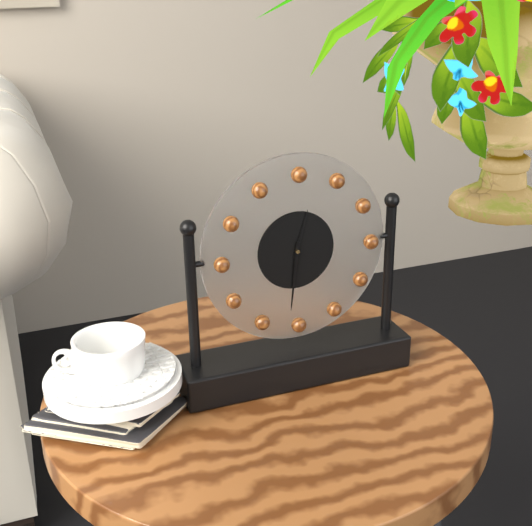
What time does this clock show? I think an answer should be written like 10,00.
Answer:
12,31
